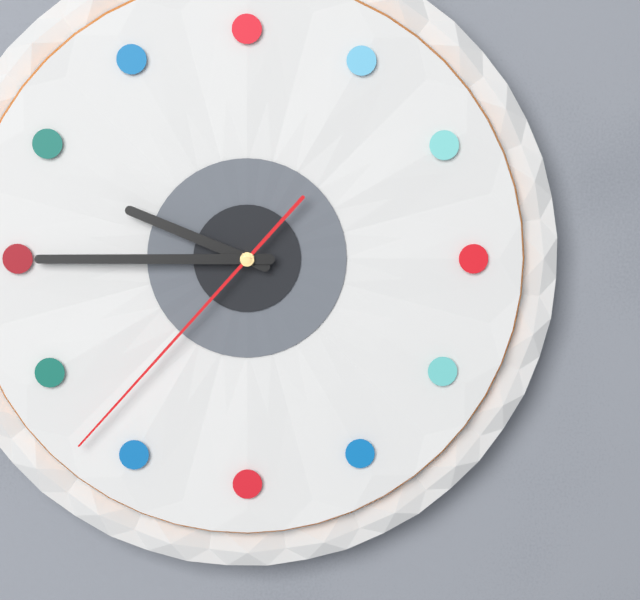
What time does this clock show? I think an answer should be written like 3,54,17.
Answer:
9,45,37
